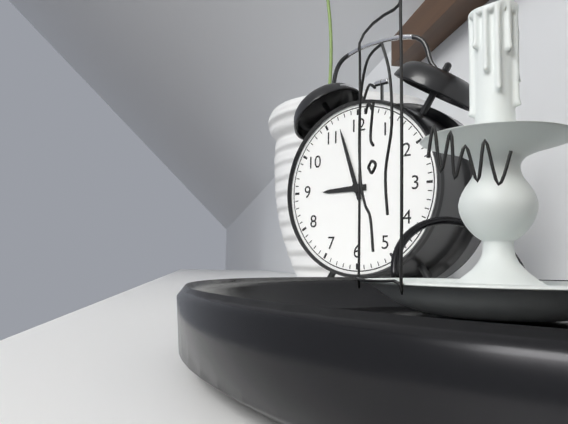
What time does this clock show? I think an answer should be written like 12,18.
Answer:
8,57
